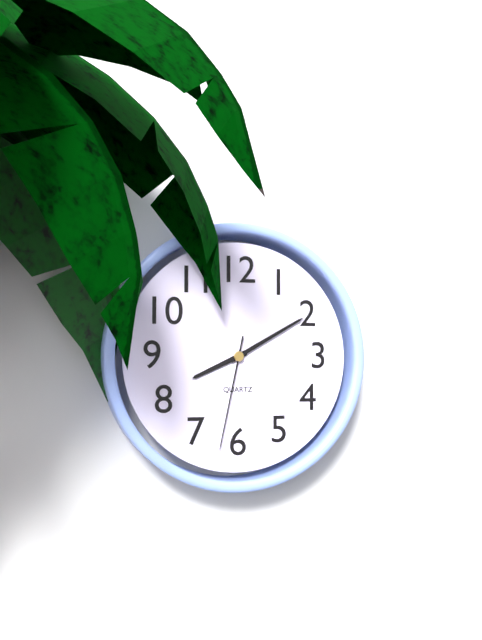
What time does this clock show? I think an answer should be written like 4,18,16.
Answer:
8,10,32
